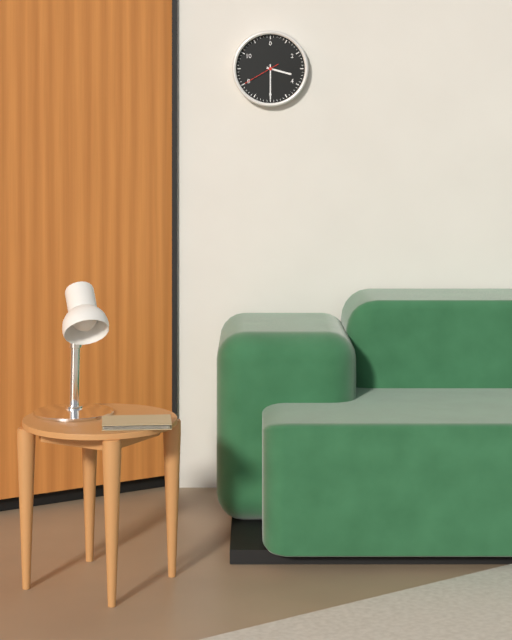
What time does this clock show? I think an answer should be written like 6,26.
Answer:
3,30
